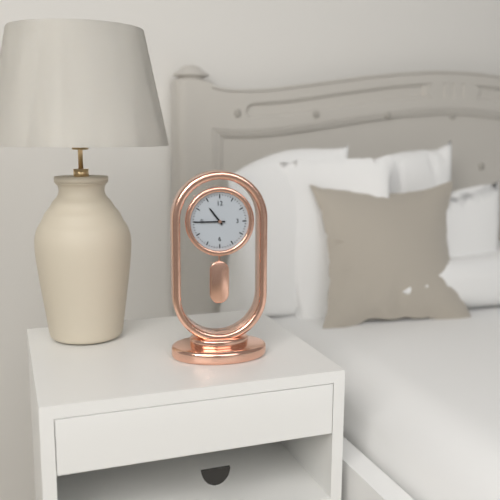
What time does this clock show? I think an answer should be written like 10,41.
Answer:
10,45
